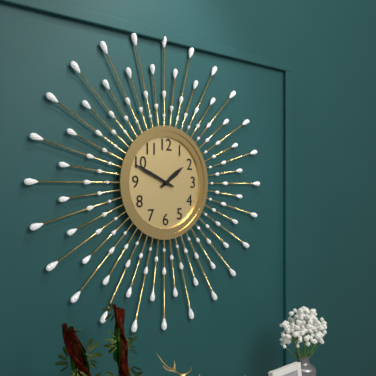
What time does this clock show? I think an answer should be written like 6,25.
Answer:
1,49
